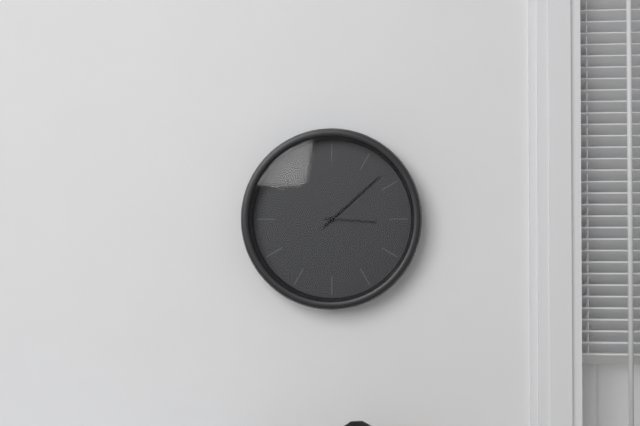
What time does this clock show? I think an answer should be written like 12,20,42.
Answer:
3,08,08
